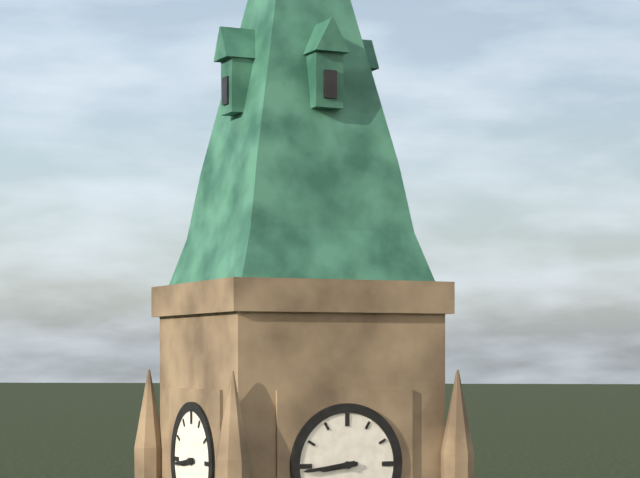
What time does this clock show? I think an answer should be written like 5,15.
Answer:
8,44
